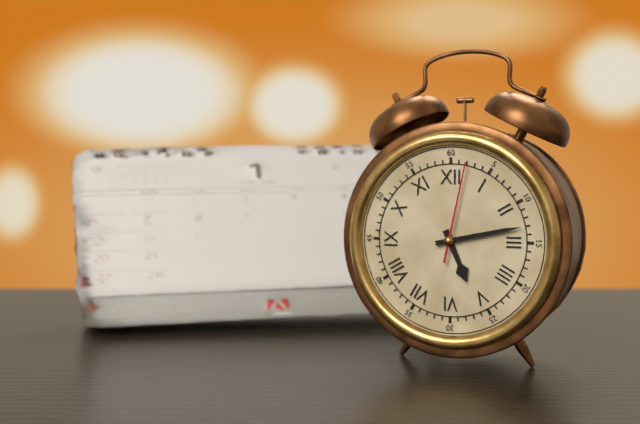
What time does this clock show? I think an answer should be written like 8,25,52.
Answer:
5,13,02
